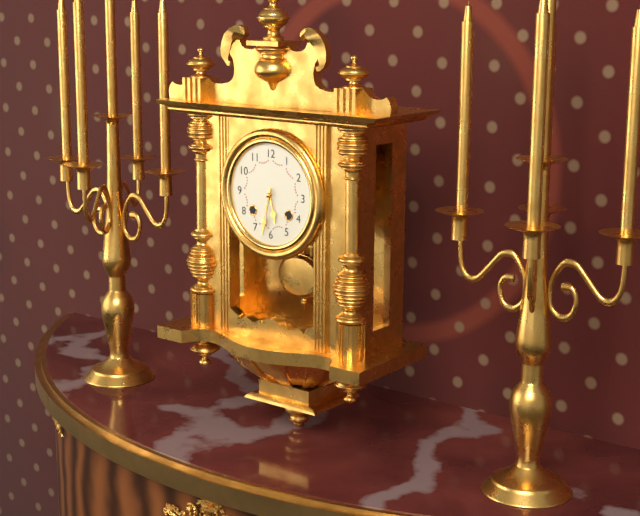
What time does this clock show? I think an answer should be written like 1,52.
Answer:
5,32
